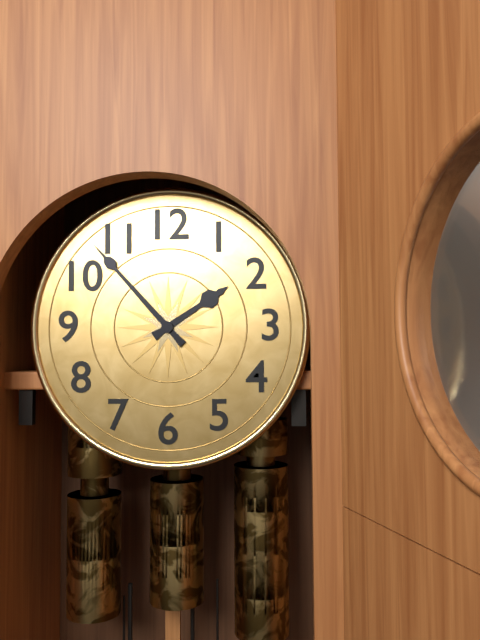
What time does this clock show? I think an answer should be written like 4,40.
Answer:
1,53
